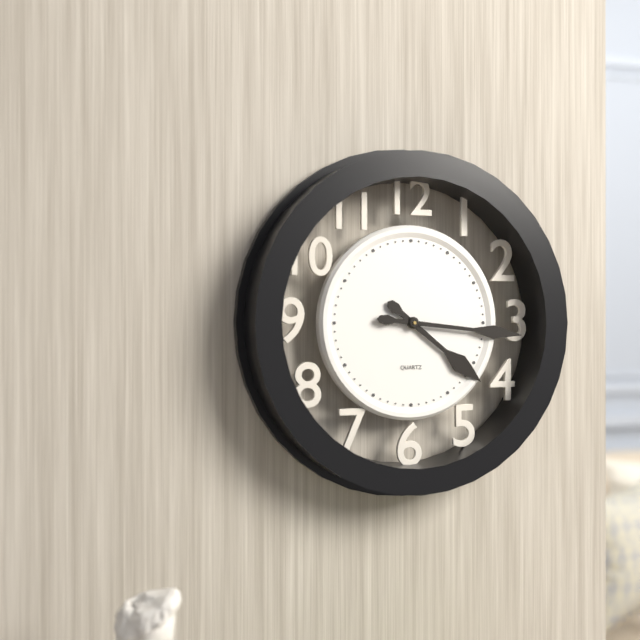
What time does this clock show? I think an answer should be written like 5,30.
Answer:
4,16
